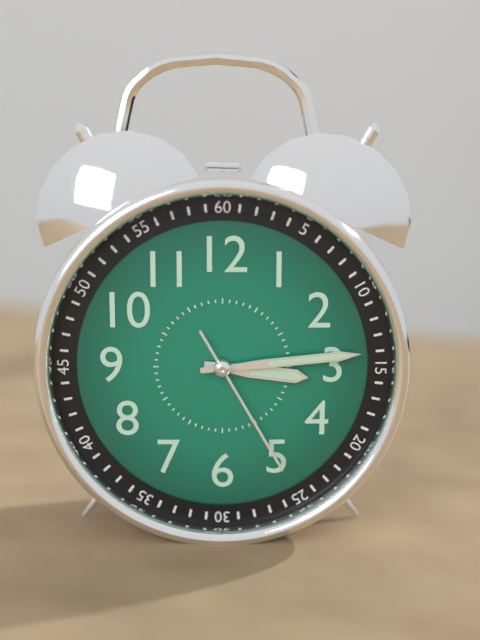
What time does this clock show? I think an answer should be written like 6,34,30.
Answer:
3,14,25
